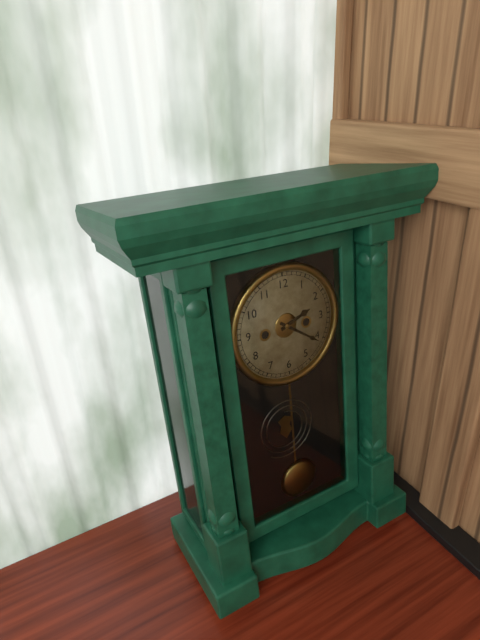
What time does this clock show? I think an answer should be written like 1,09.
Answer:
2,21
